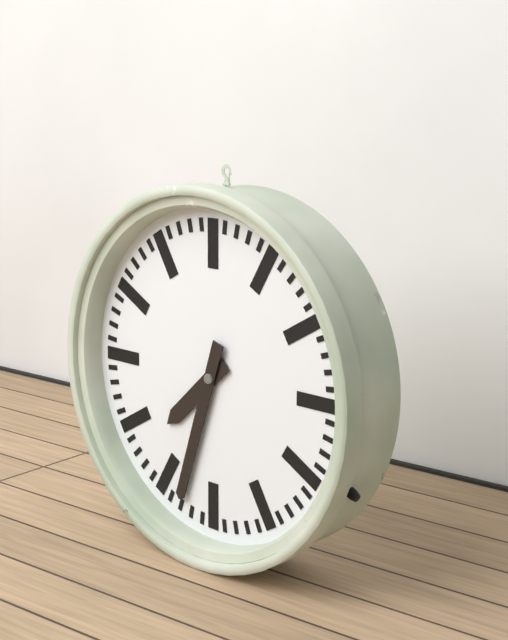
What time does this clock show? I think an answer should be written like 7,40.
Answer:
7,33
